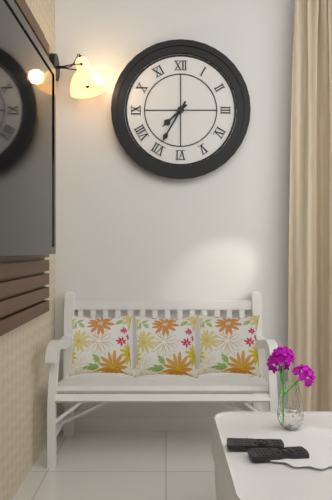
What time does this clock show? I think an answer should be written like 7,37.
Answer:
7,35
